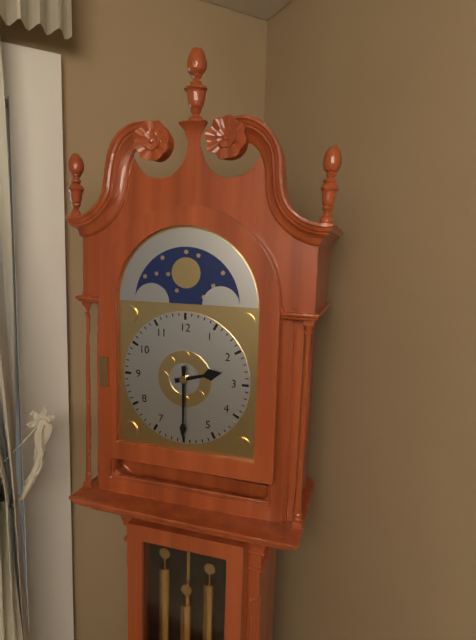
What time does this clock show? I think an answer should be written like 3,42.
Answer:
2,30
